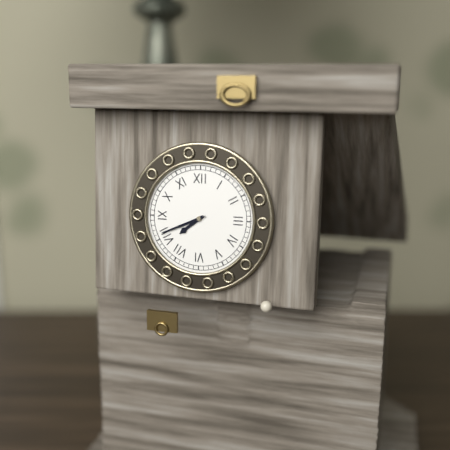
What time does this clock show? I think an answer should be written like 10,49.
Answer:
7,41
